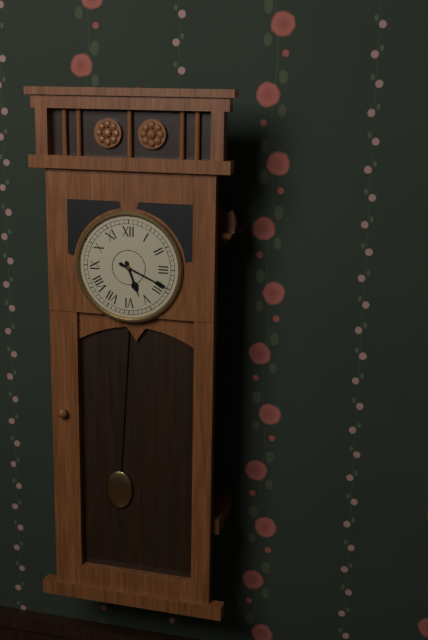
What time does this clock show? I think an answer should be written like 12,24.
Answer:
5,19
